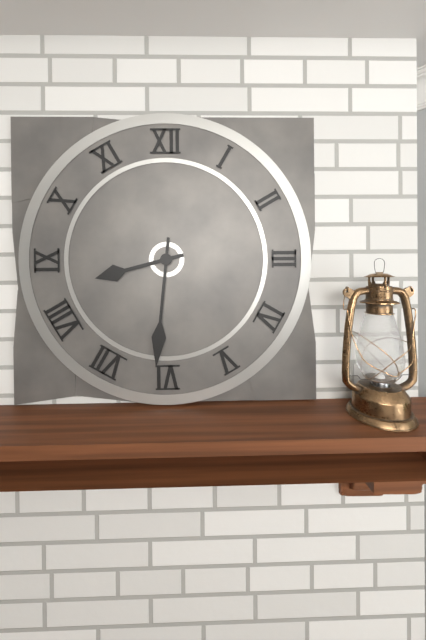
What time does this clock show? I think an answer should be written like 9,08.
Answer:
8,31
